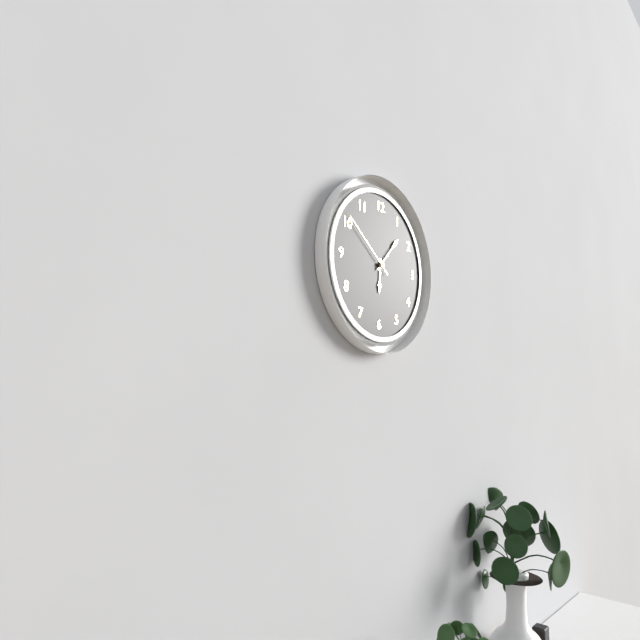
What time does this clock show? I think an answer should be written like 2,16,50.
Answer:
6,07,51
